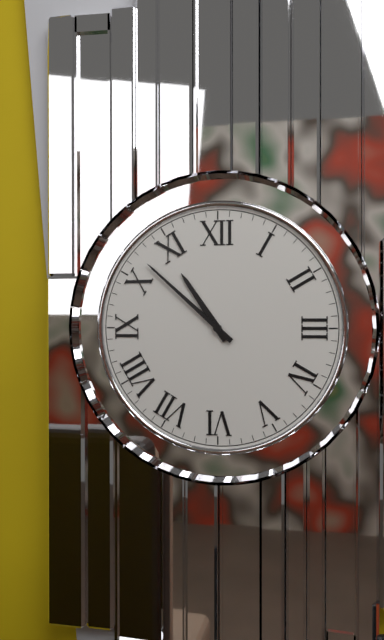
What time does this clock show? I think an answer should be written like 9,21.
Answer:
10,52
